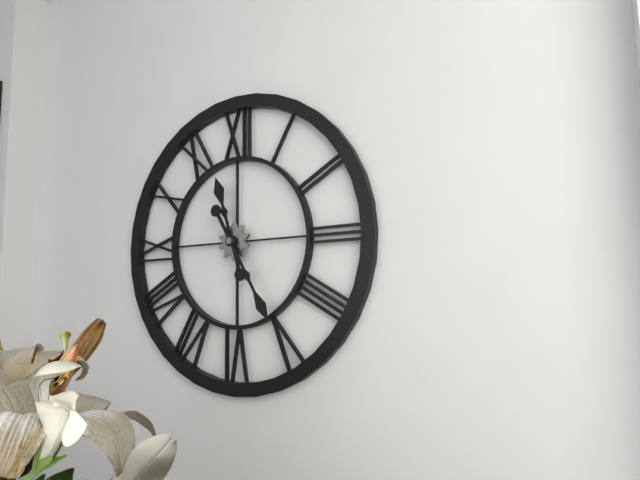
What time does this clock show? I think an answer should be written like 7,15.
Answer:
11,25
